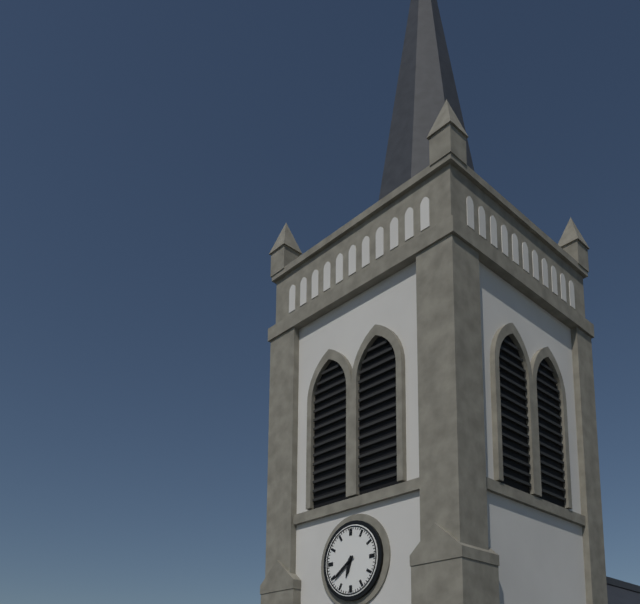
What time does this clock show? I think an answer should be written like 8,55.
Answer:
6,39
